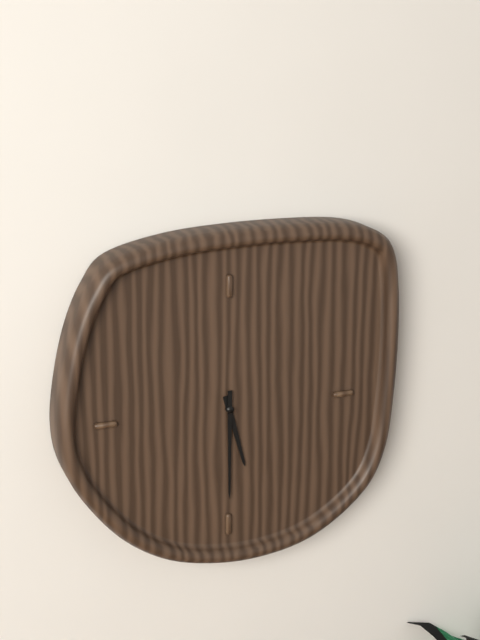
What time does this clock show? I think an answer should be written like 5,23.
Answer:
5,30
